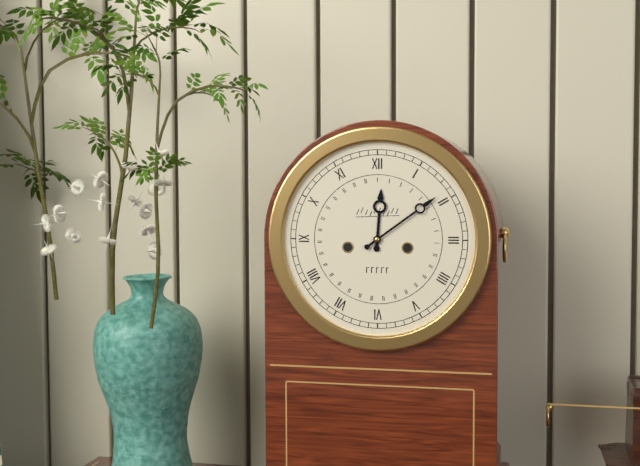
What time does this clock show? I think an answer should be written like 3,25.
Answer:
12,09
